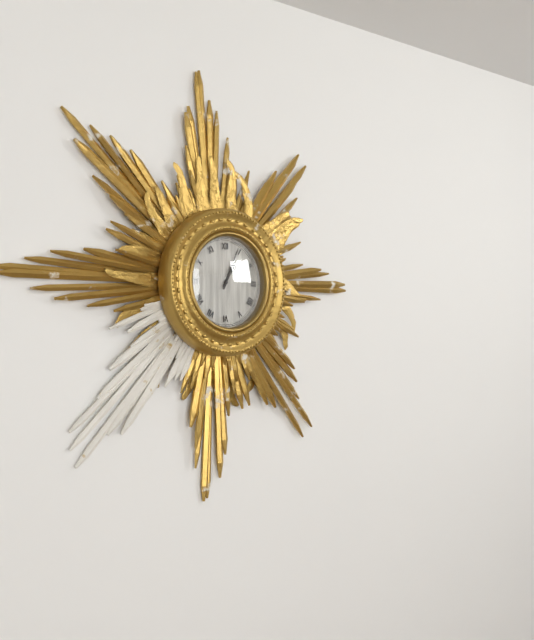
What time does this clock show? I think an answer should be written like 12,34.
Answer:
1,04
